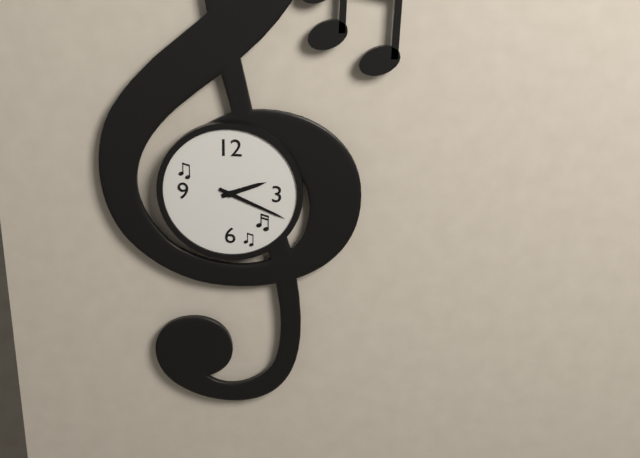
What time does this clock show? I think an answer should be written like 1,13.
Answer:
2,19
